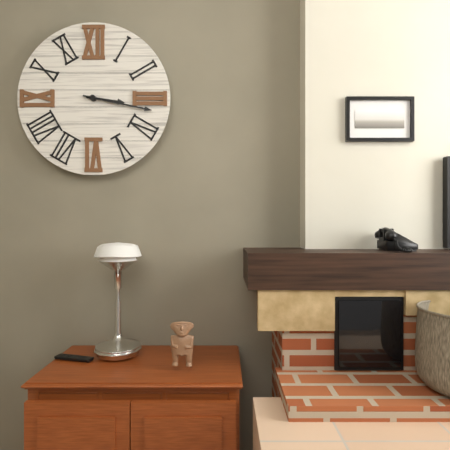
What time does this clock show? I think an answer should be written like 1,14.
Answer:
3,17
